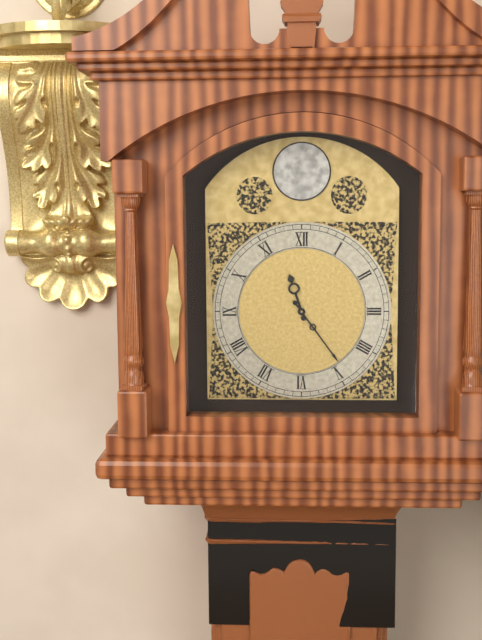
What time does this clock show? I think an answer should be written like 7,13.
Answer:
11,24
